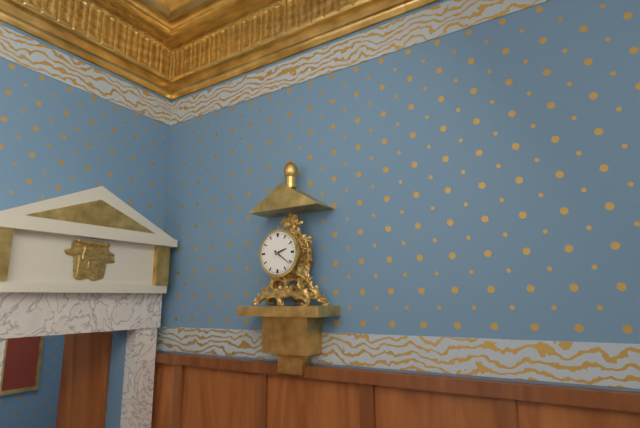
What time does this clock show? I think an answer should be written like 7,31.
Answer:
2,21
